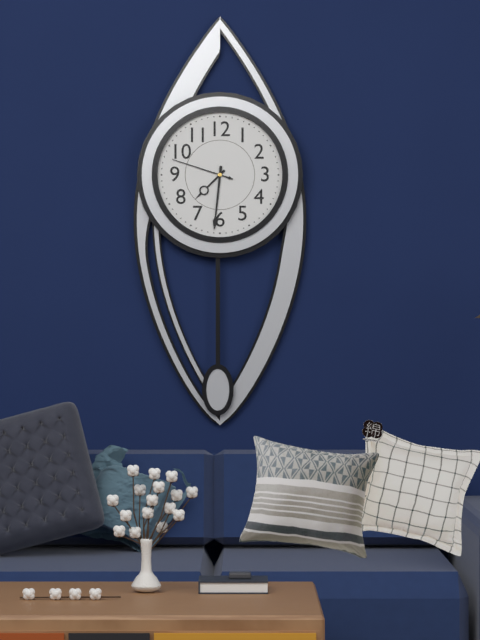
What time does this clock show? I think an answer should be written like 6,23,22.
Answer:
7,31,48
